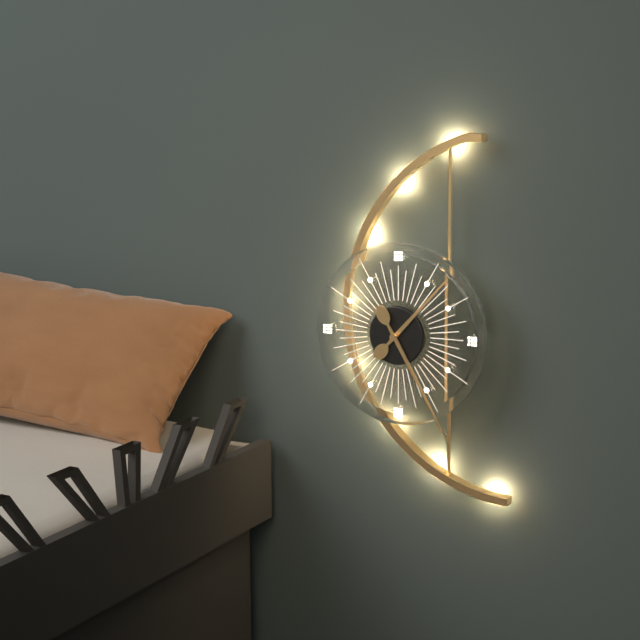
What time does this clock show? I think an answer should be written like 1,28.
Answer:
1,25
